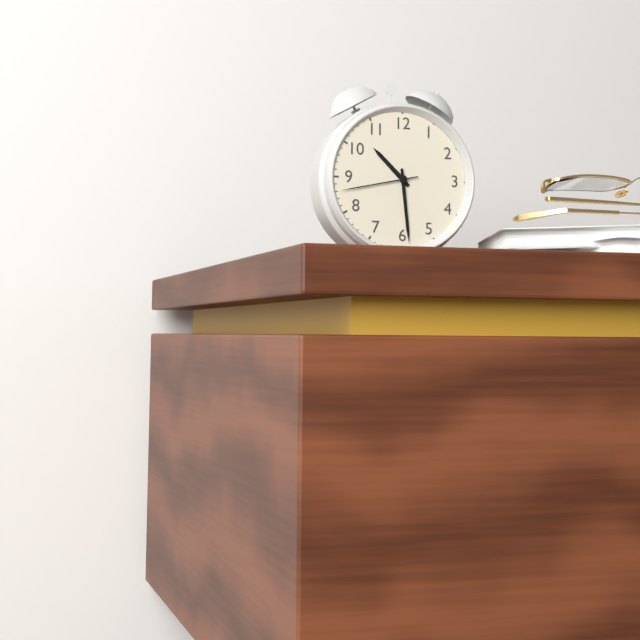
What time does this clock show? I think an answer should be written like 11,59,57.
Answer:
10,29,43
